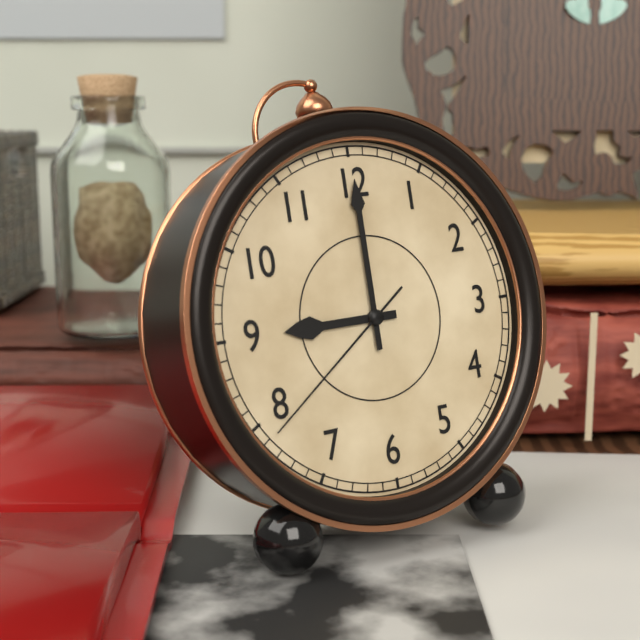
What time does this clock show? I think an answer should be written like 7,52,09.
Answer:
9,00,39
